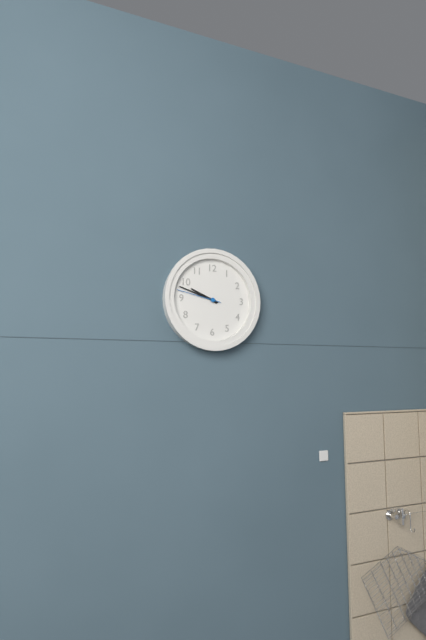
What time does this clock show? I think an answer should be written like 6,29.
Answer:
9,48
